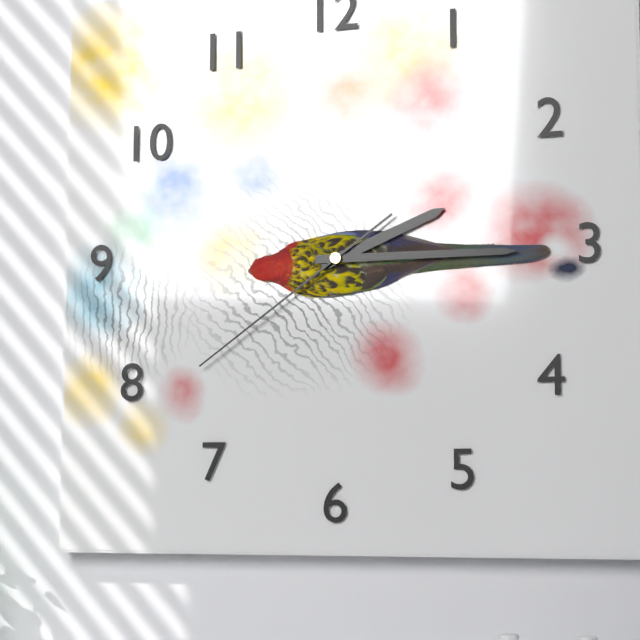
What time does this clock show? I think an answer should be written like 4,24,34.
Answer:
2,15,39
